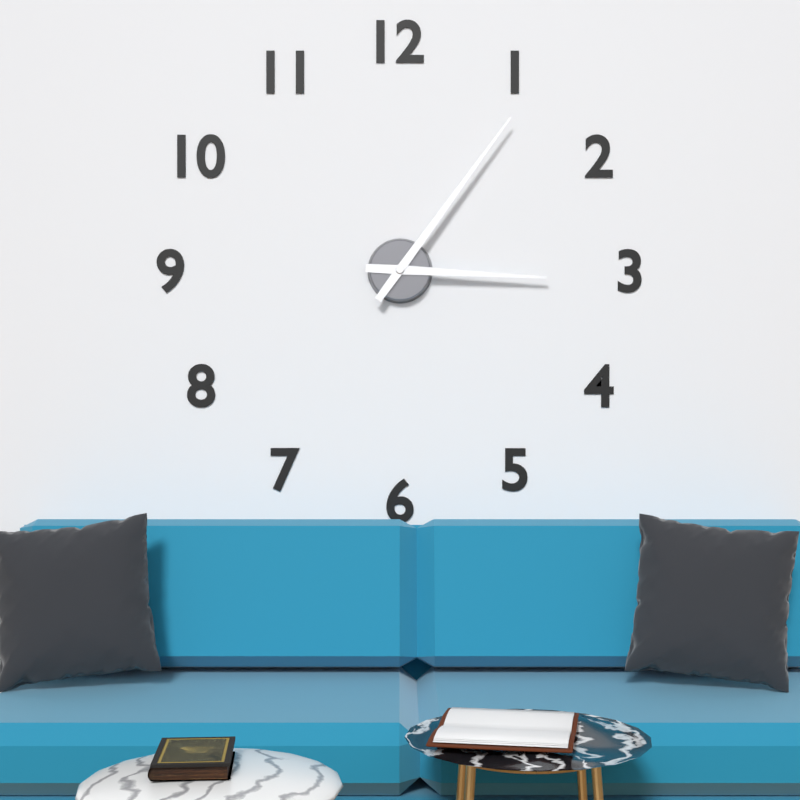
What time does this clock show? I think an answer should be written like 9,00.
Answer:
3,06
